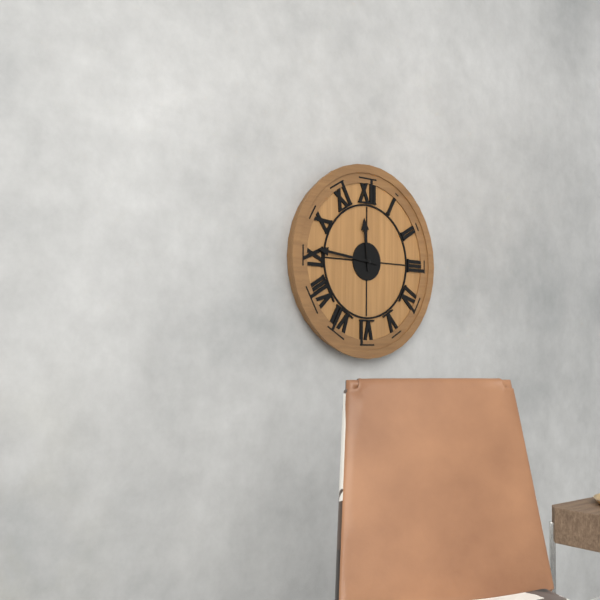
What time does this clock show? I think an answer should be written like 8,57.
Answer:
11,46
